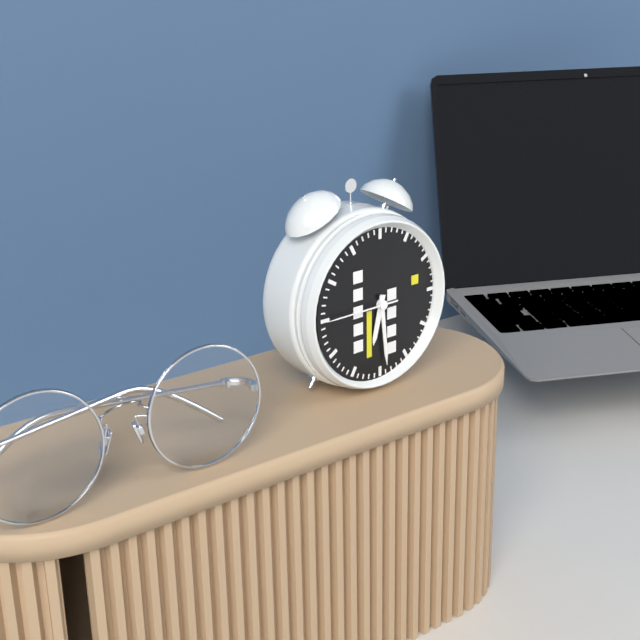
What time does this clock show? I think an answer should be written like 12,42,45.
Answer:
6,29,45
